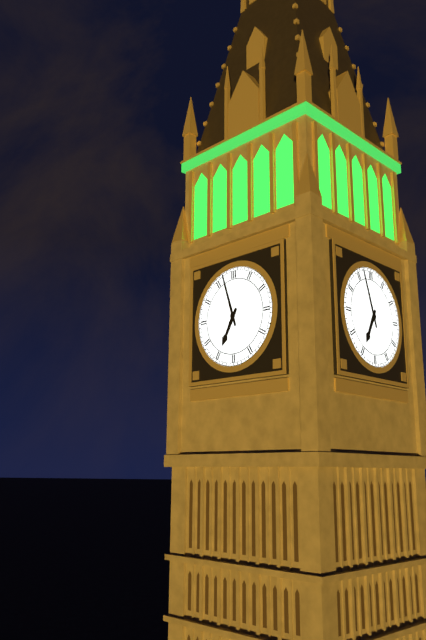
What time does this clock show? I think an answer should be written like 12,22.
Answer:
6,57
